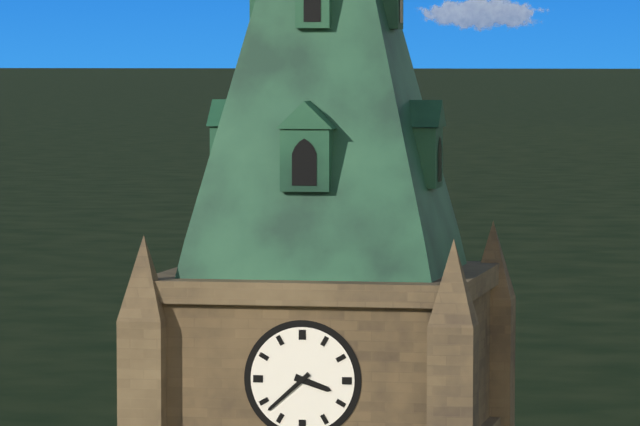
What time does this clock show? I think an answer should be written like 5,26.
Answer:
3,38
